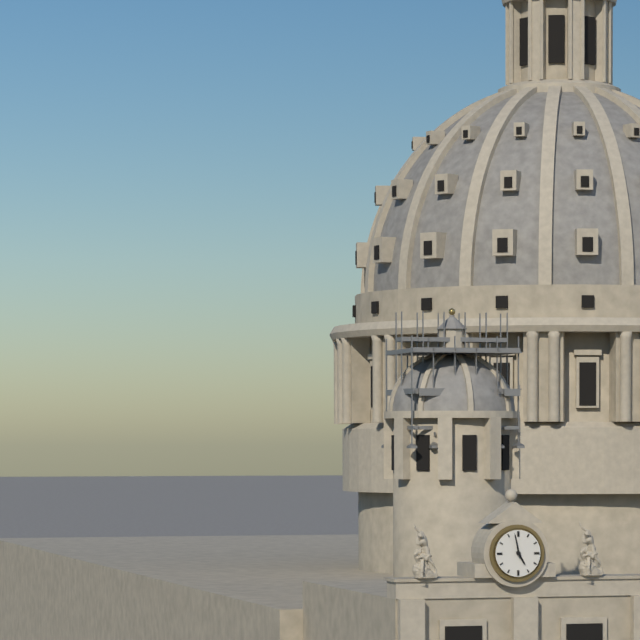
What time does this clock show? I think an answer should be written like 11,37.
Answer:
4,58
